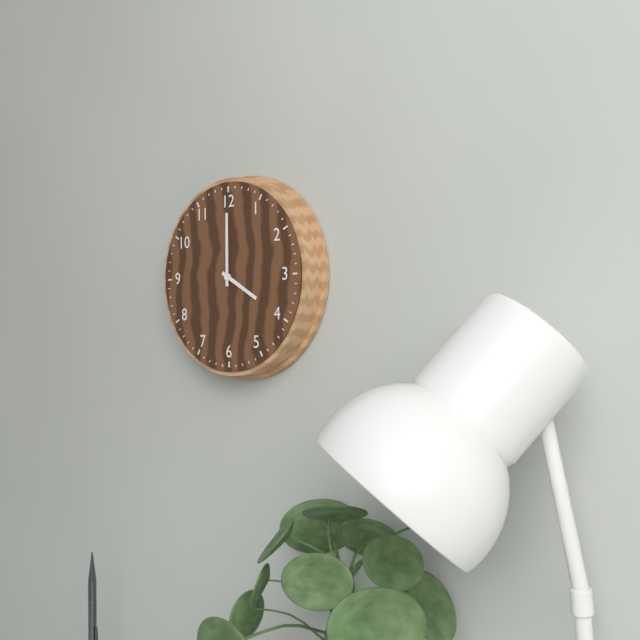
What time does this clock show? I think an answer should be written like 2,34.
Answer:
4,00
